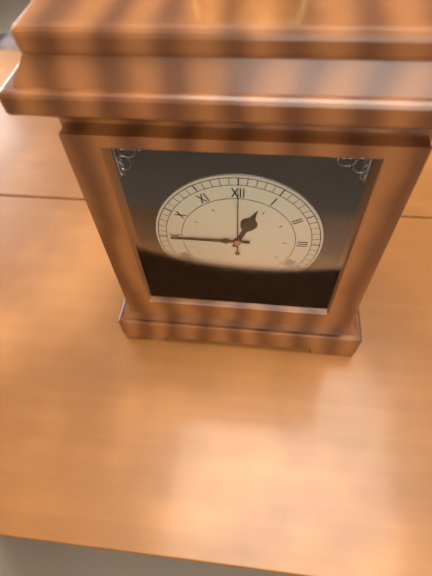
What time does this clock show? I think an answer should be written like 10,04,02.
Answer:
12,45,00
